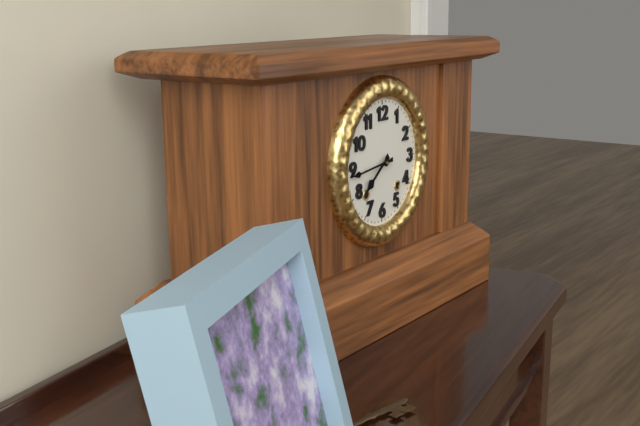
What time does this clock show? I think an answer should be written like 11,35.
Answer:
7,44
